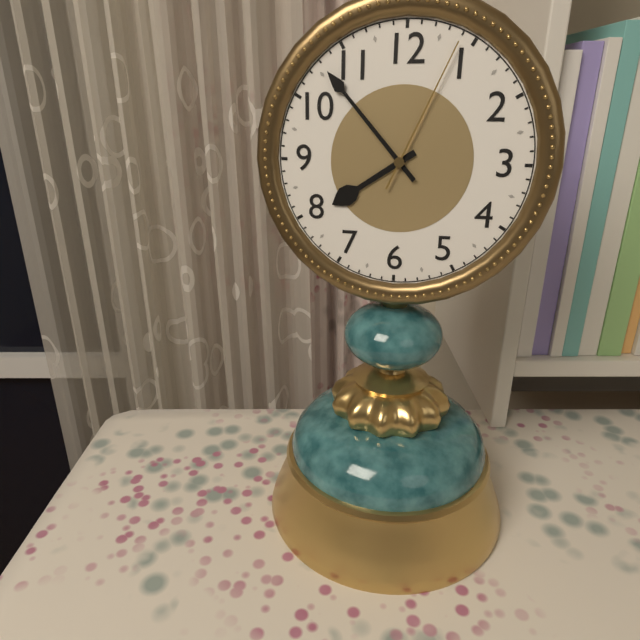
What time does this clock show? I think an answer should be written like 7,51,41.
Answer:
7,53,04
